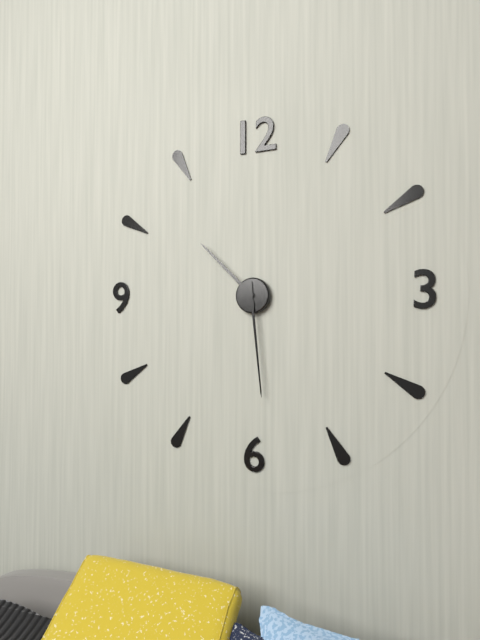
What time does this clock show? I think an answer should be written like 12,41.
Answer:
10,29
